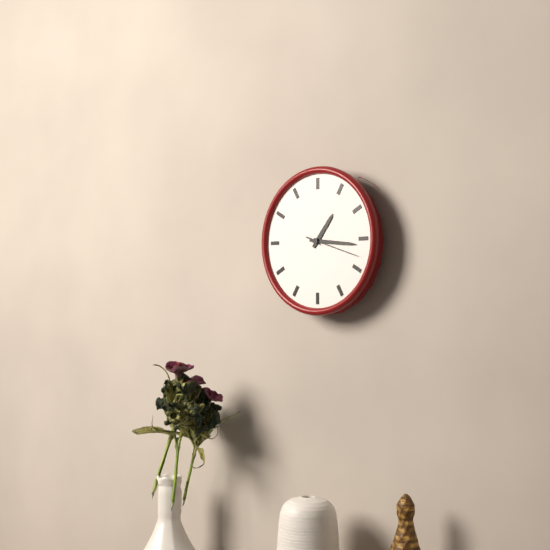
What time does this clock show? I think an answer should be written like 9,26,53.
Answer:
1,16,18
